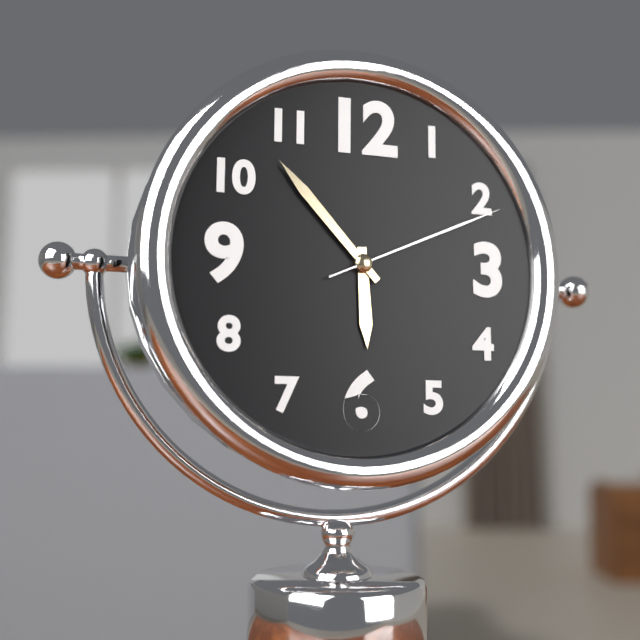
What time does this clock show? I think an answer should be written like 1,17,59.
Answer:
5,53,11
